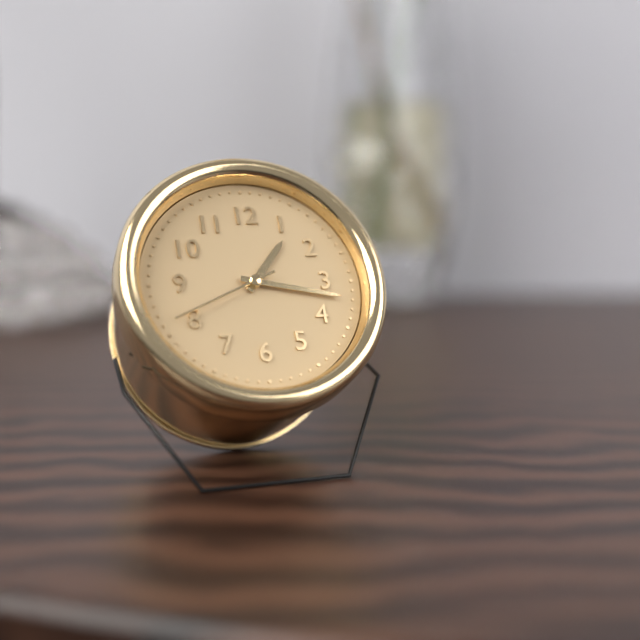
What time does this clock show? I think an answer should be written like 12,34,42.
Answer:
1,17,41
